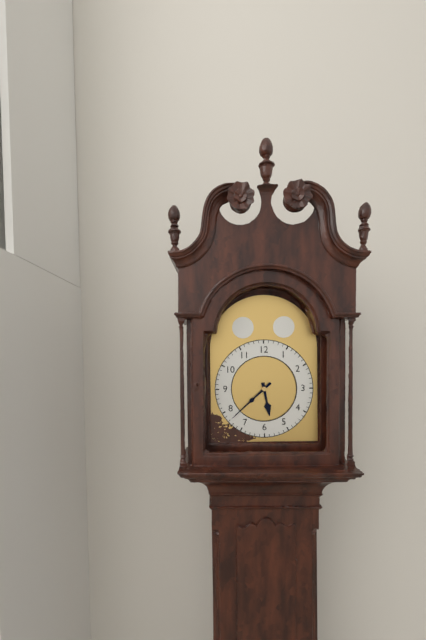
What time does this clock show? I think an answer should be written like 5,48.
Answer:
5,38
